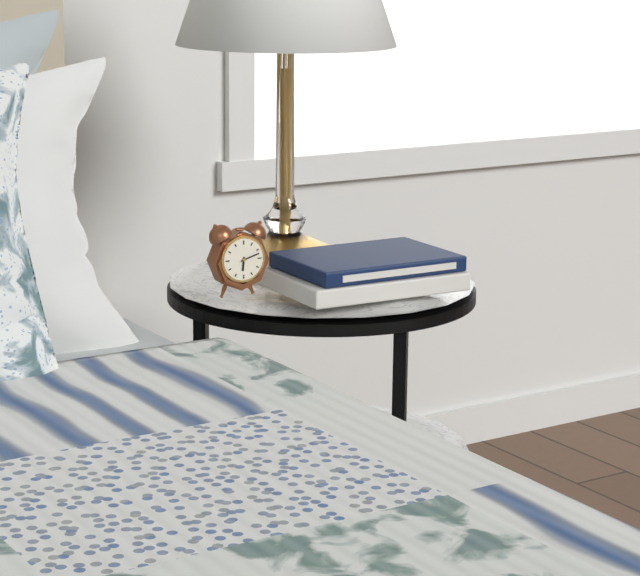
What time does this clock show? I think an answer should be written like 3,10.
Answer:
6,12
